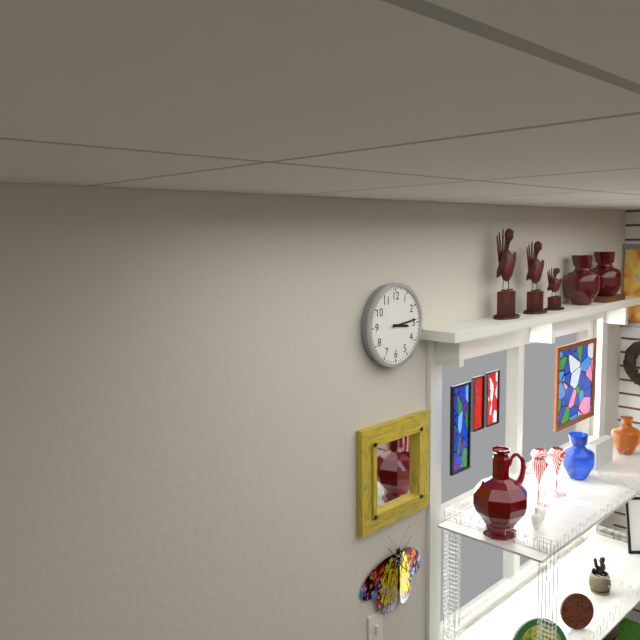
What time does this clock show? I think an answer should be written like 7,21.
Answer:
3,14
